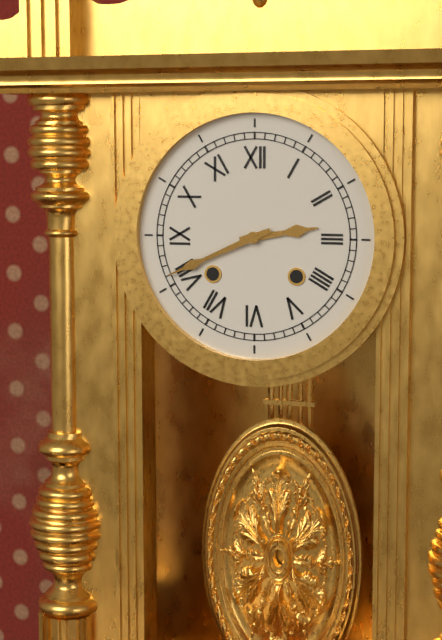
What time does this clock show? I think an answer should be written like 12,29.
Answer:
2,41
